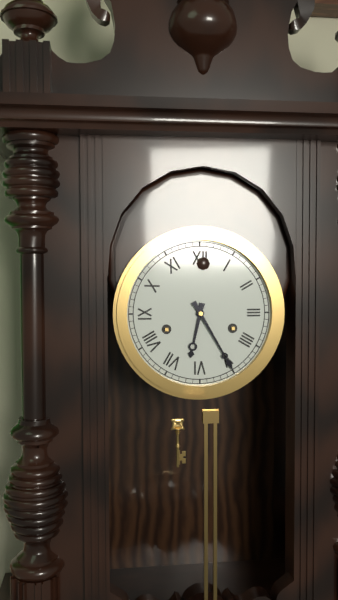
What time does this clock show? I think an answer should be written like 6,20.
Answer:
6,25
